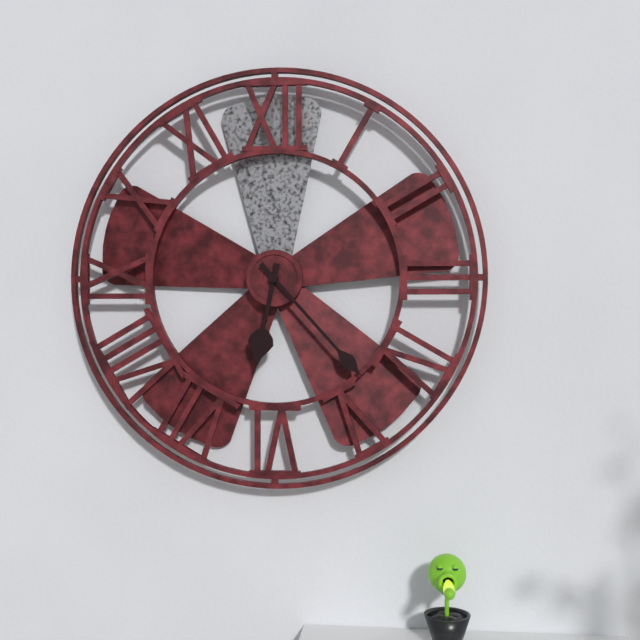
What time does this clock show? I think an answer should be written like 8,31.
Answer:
6,23
